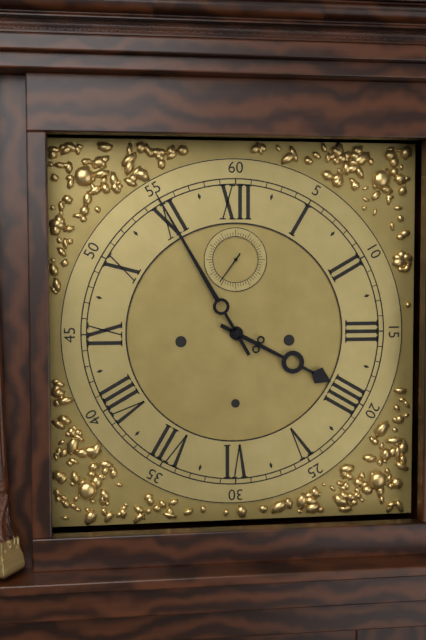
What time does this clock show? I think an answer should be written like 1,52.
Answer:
3,55
